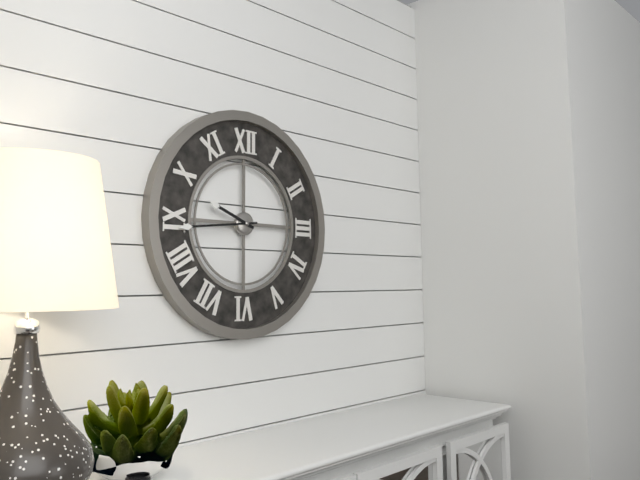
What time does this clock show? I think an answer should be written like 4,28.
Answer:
9,44
